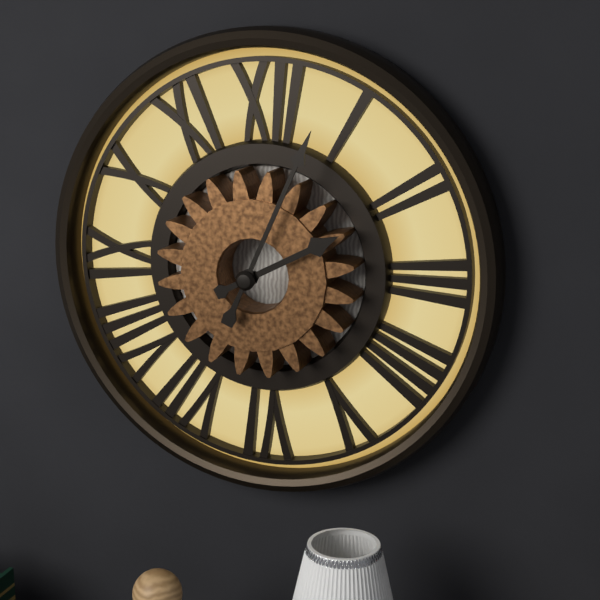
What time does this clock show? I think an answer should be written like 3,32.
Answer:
2,04
